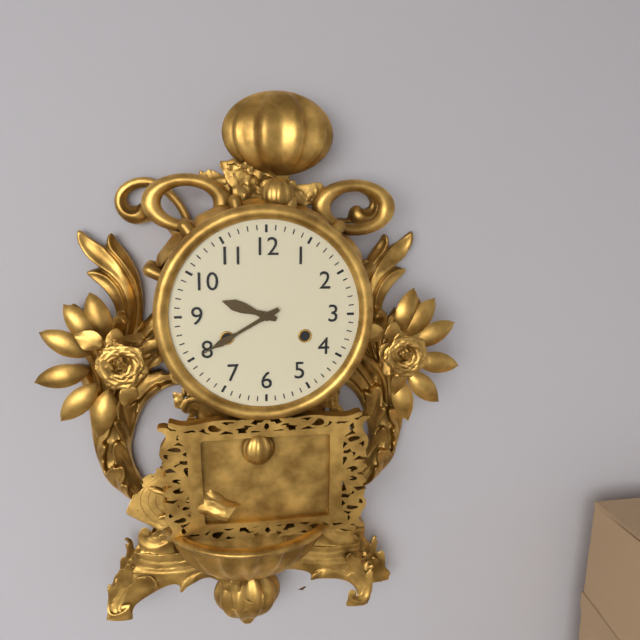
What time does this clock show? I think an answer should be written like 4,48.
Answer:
9,40
